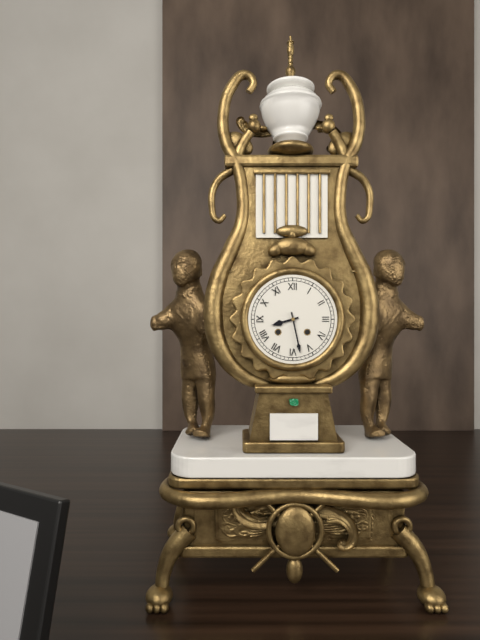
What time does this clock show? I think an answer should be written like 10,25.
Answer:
8,28
